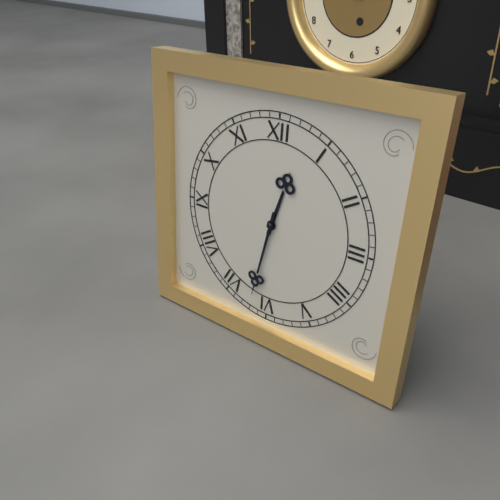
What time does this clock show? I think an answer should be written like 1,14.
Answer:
12,32
